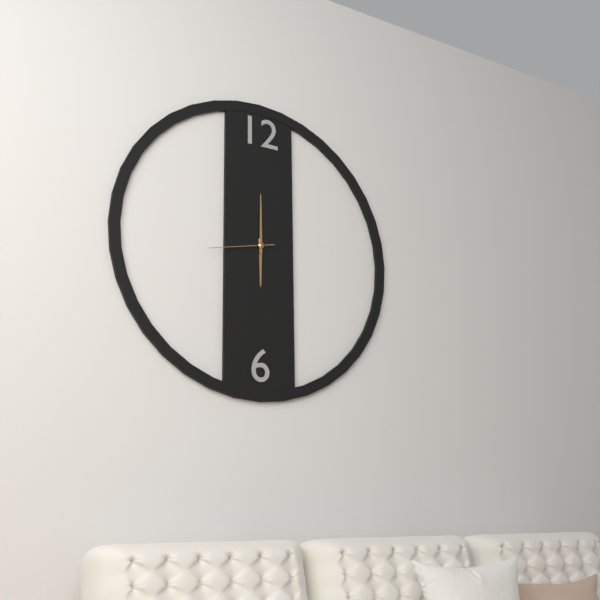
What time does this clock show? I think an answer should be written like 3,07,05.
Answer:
6,00,43
